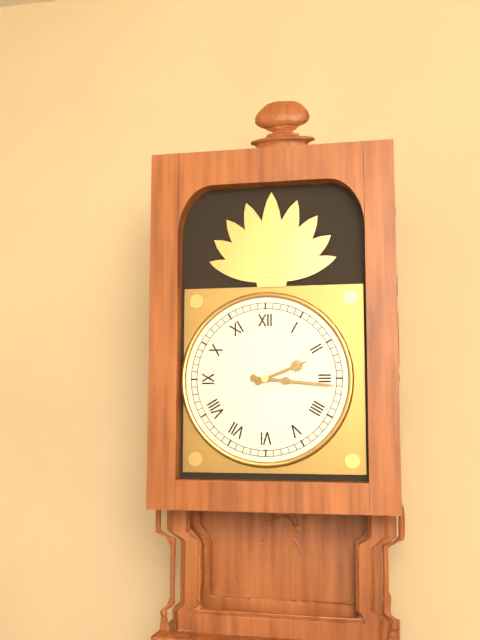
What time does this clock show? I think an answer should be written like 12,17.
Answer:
2,16
